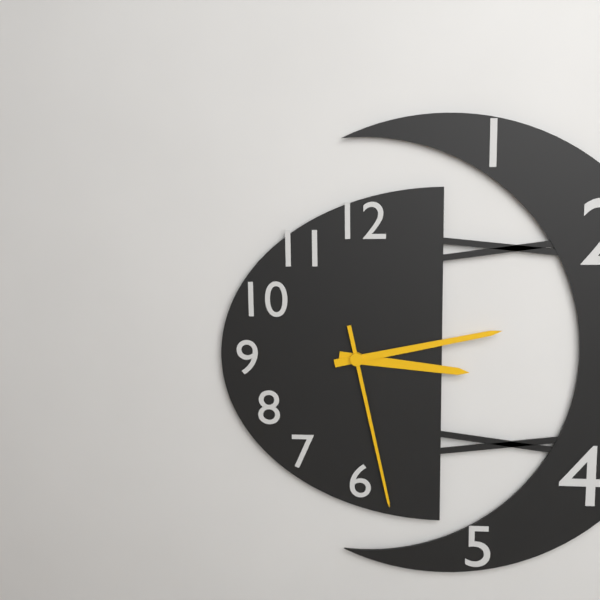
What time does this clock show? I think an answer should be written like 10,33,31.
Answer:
3,13,28
